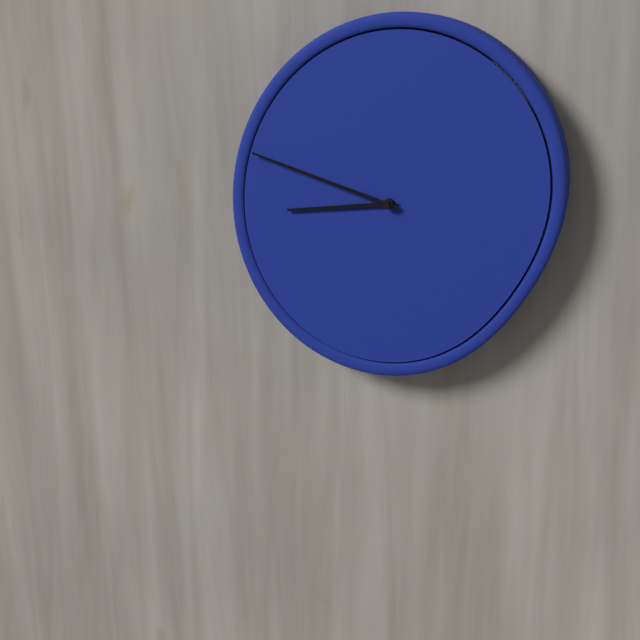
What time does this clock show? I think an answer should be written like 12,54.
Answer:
8,48
